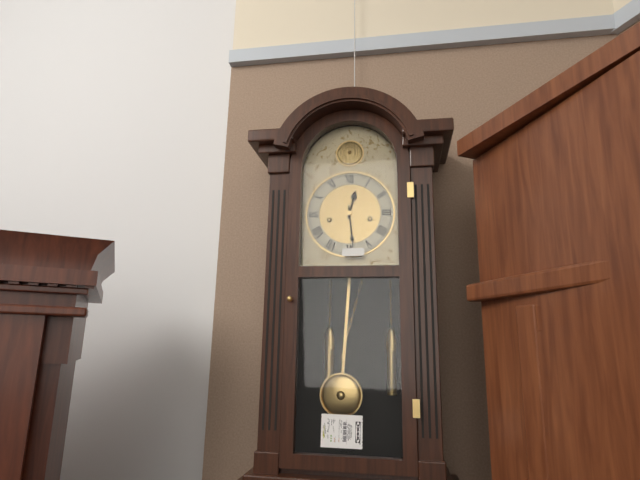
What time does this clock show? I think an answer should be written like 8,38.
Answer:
12,29
